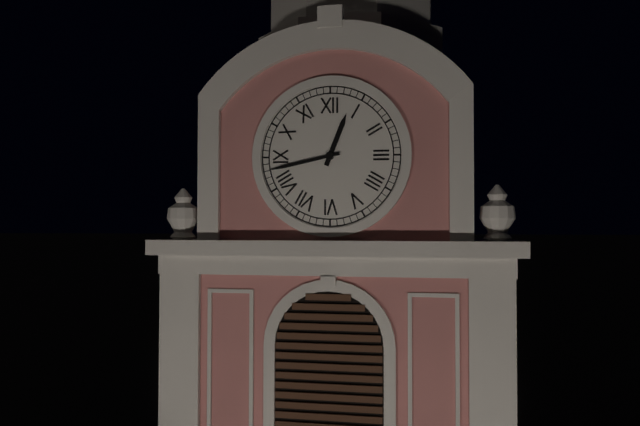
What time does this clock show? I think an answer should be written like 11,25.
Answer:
12,43
